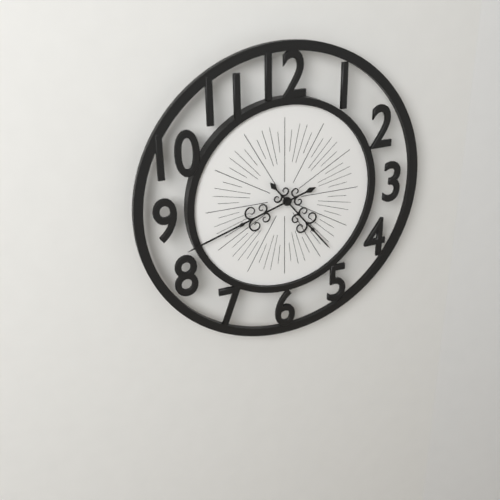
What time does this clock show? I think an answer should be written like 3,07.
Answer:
4,42
